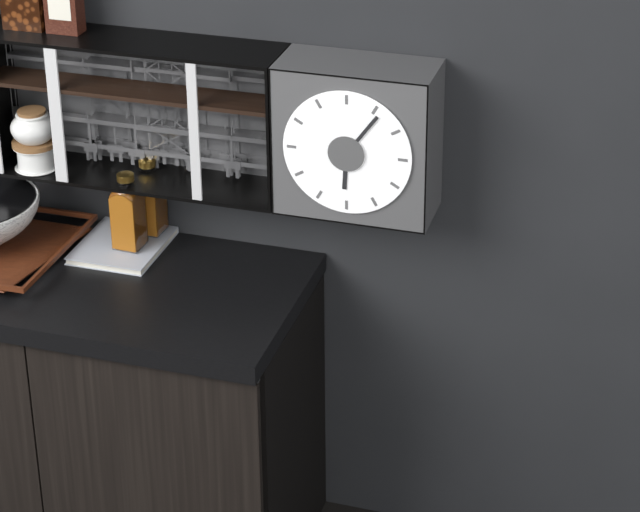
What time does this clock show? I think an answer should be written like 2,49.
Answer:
6,06
